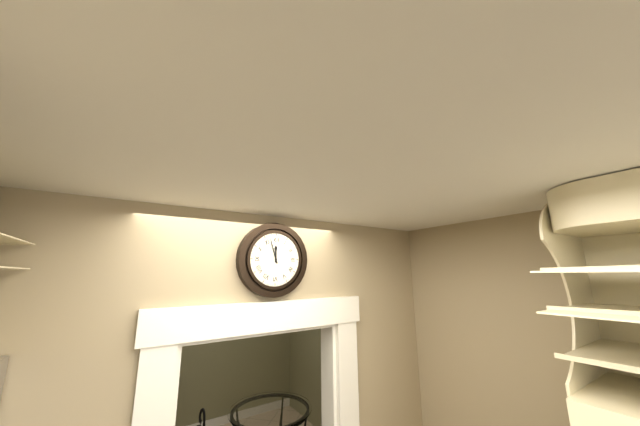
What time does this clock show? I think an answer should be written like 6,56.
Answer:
11,57
